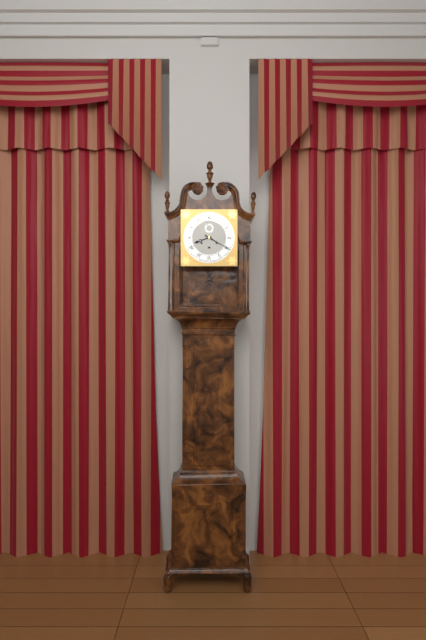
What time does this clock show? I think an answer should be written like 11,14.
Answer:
8,20
